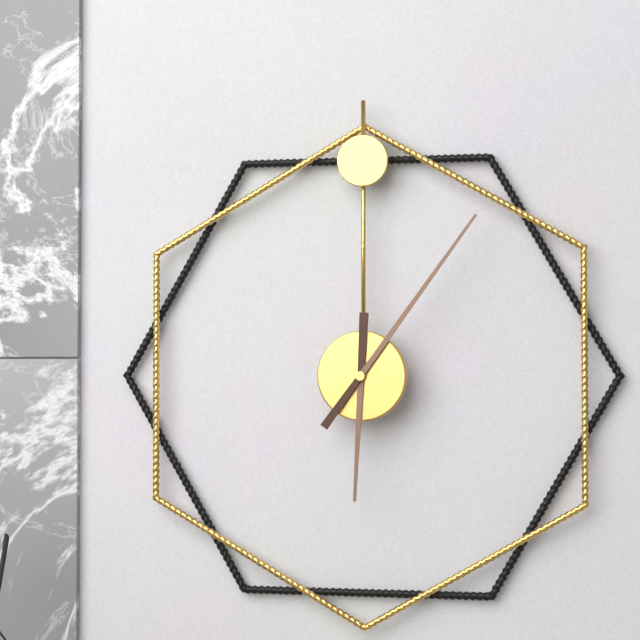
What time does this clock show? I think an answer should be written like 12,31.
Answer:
6,06
